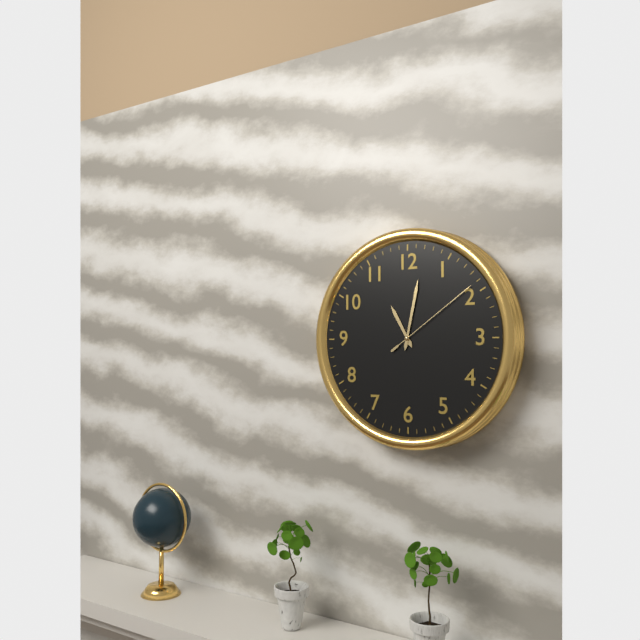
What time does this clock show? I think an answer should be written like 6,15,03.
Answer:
11,02,09
